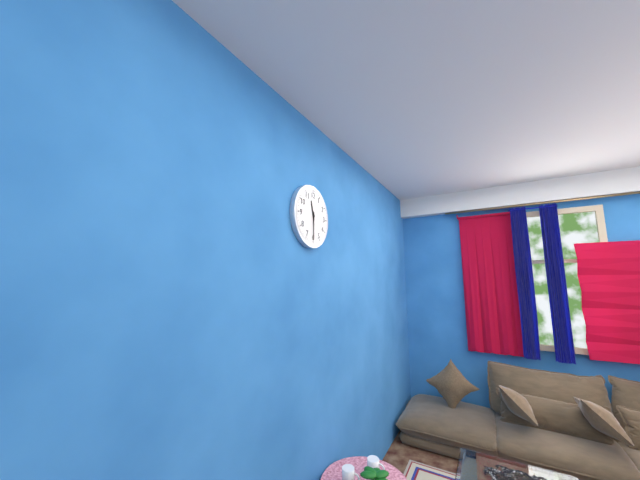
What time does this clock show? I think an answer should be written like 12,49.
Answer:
11,30
